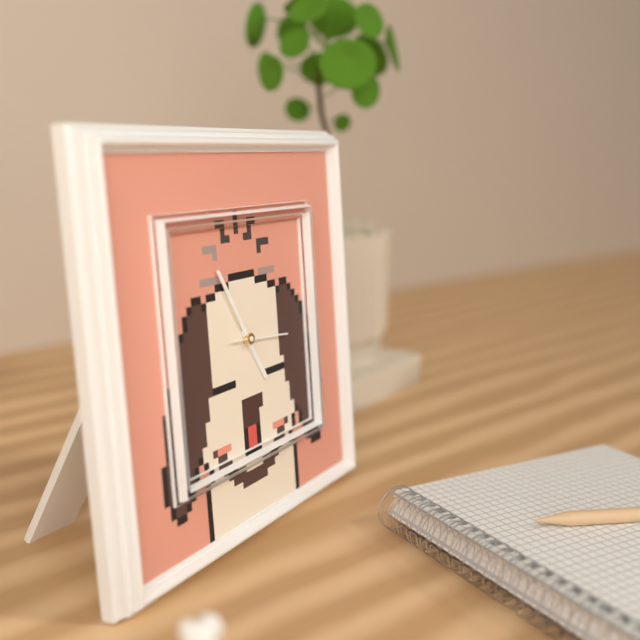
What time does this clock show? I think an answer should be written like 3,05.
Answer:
4,55
